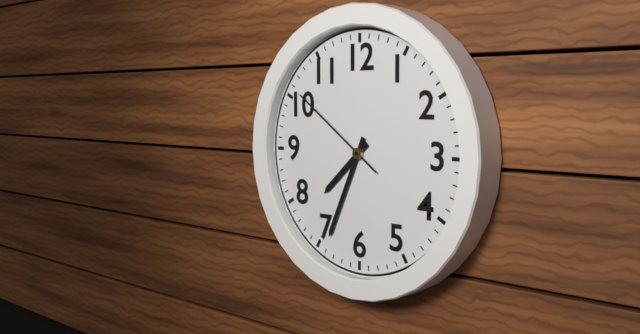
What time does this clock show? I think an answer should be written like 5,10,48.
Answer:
7,34,51
